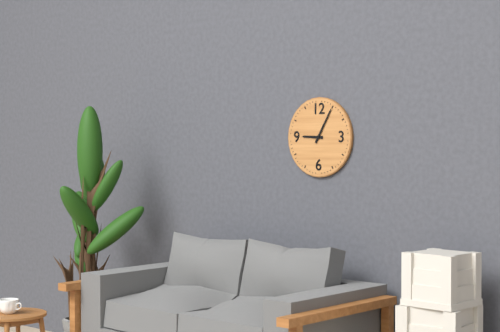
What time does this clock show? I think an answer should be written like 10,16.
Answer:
9,05
